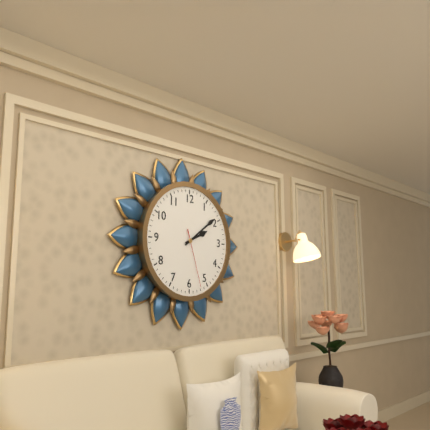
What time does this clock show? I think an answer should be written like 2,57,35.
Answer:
2,09,27
